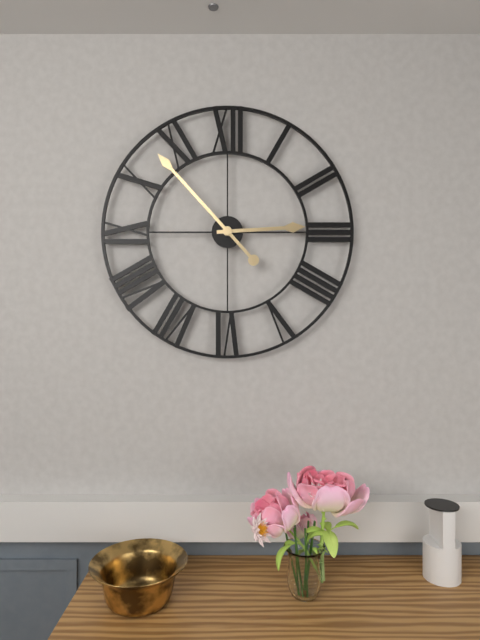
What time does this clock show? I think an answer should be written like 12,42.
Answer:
2,53
